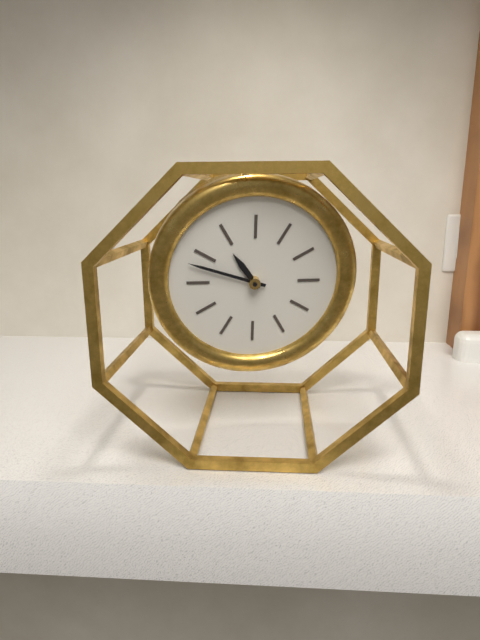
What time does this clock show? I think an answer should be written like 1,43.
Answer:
10,48
